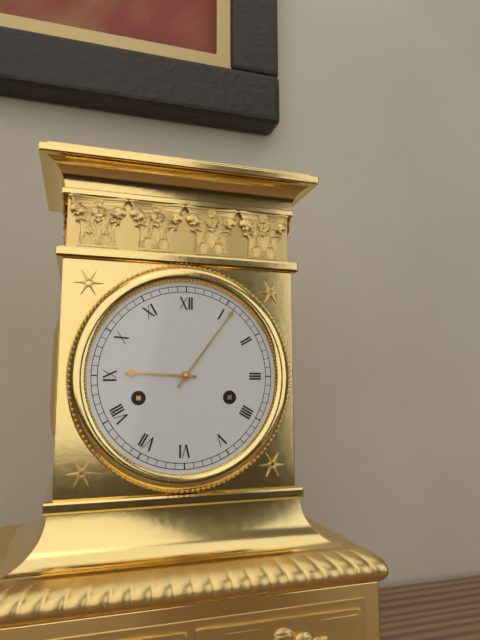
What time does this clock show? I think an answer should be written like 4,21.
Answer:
9,06
